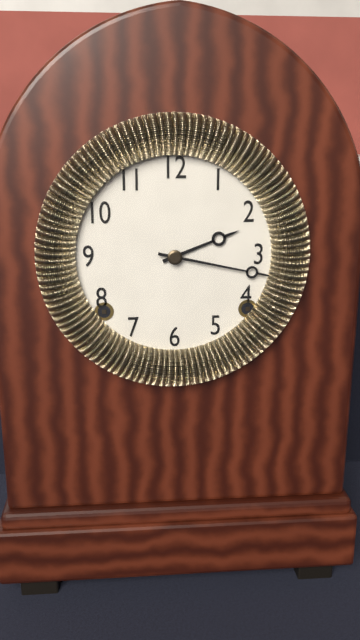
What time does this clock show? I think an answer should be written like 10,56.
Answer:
2,17
